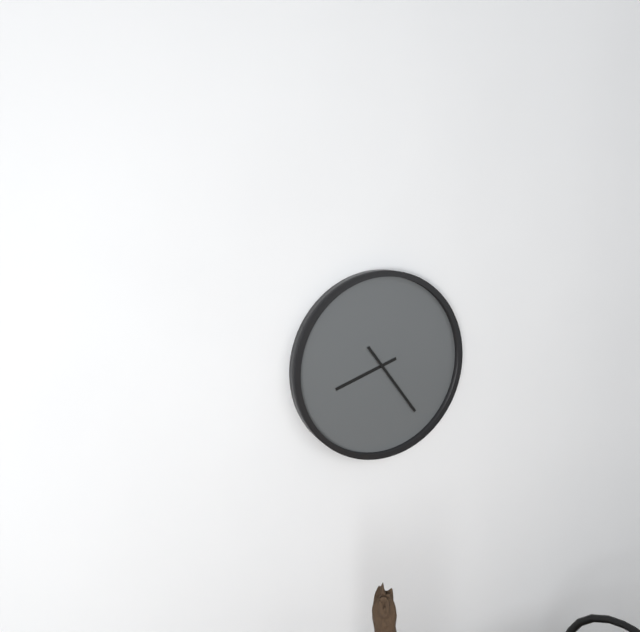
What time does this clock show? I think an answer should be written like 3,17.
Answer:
8,24
